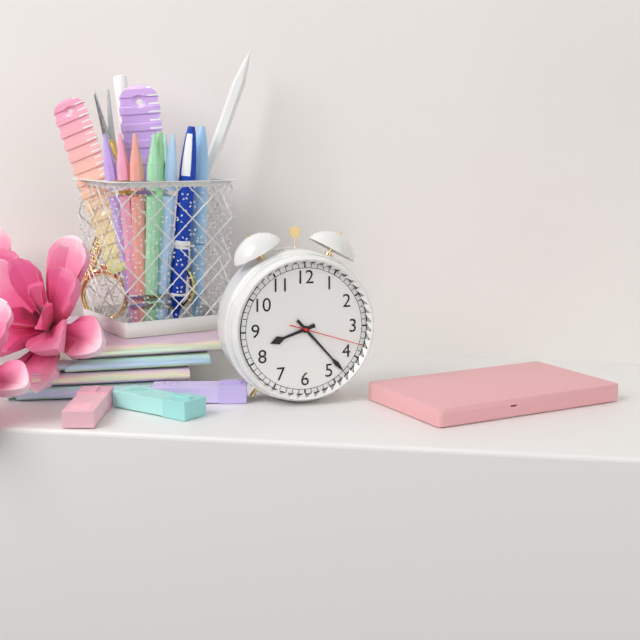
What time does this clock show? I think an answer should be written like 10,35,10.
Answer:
8,23,18
